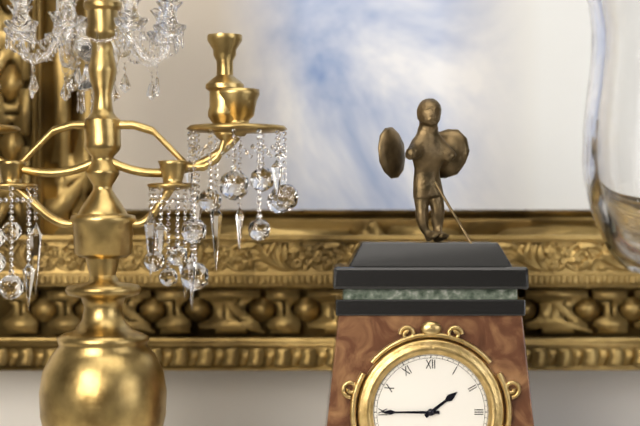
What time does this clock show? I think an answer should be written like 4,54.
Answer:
1,45
